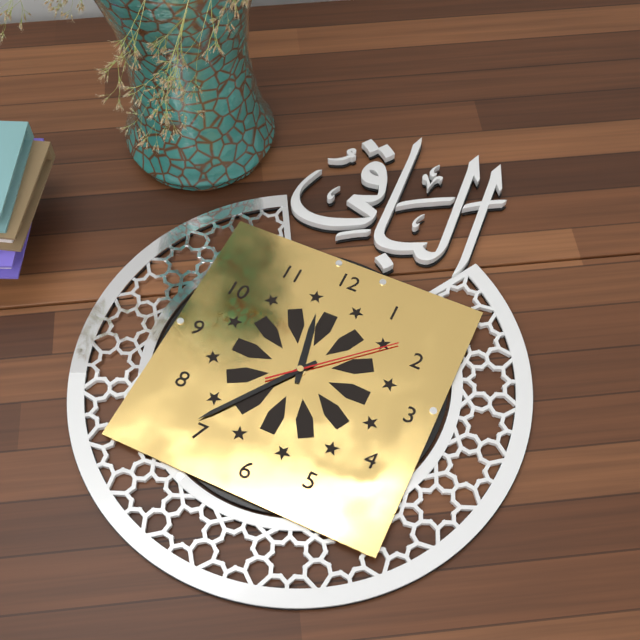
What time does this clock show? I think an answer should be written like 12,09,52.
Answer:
11,36,08
